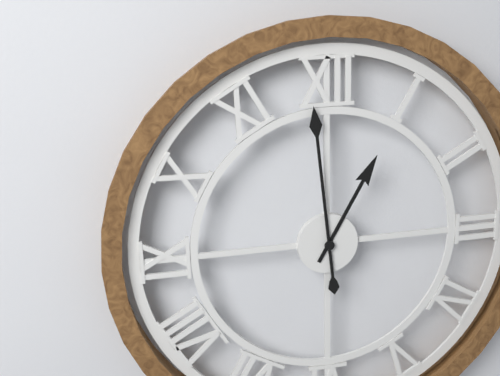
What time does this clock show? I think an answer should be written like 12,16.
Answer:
12,59
